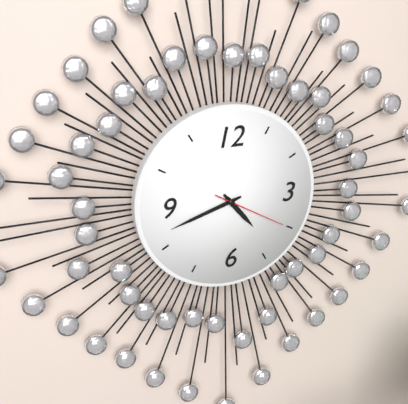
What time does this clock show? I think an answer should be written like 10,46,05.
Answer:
4,42,20
